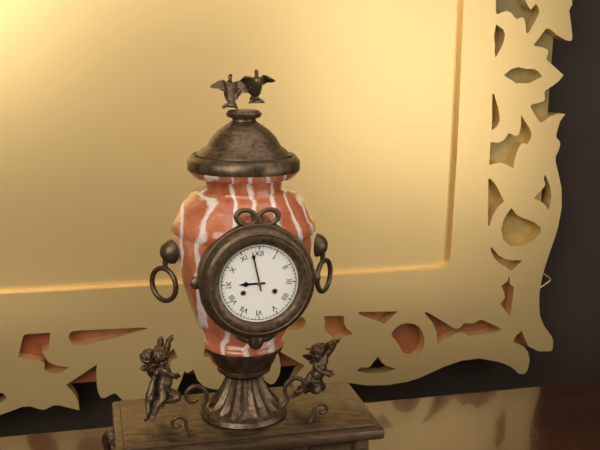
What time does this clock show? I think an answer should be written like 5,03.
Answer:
8,58
